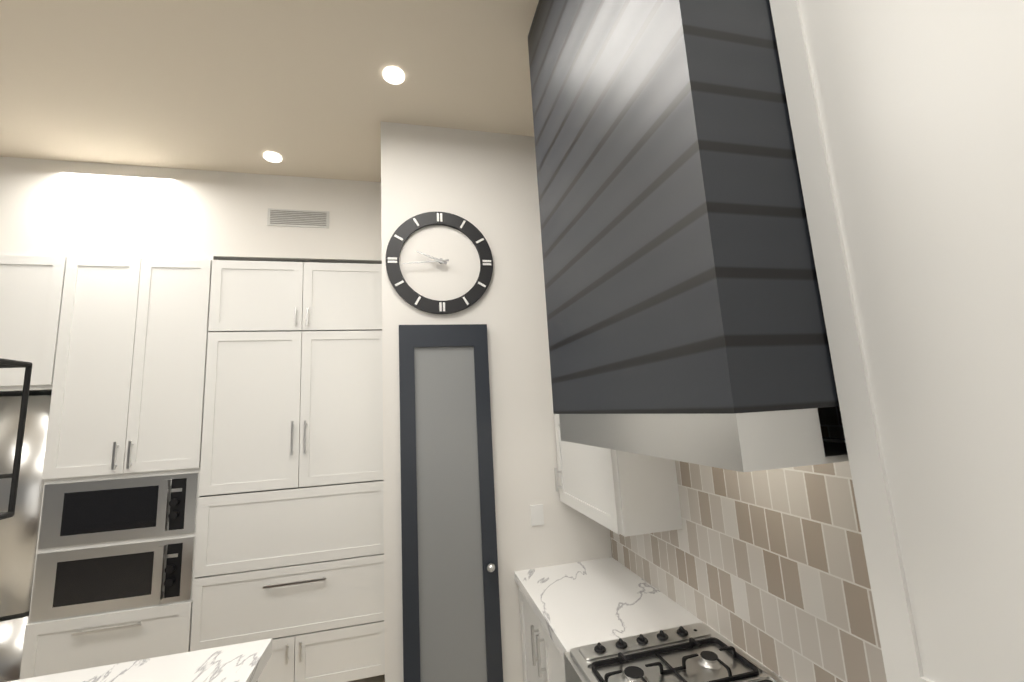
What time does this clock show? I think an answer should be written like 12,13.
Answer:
9,44
